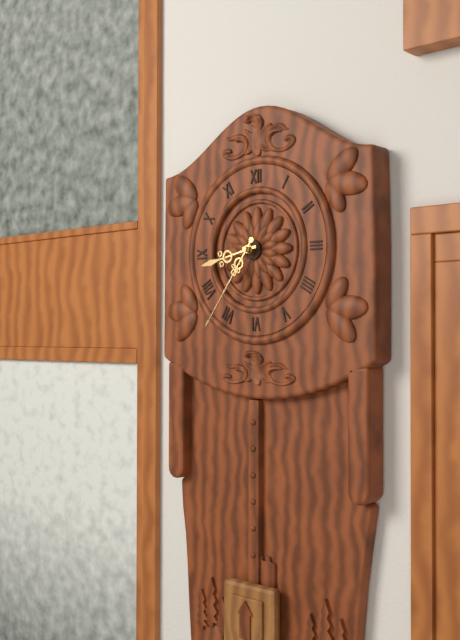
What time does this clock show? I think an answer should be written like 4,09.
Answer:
8,36
